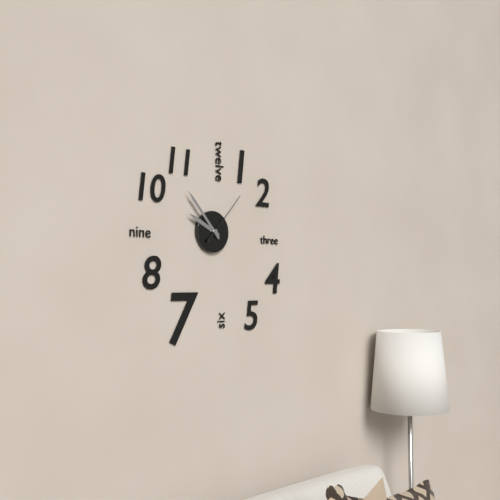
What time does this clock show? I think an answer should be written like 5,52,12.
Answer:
9,53,07
